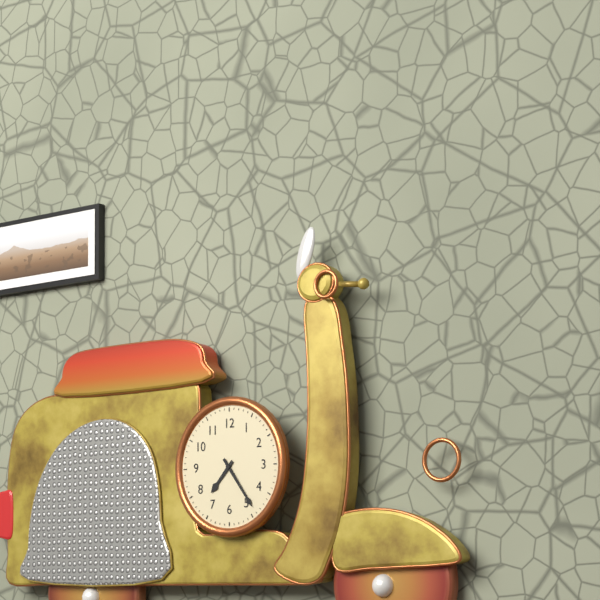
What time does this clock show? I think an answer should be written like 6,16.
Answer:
7,24
